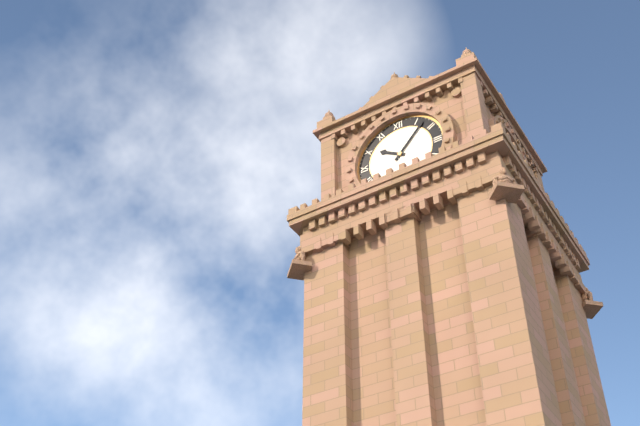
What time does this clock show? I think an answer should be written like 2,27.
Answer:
10,07
